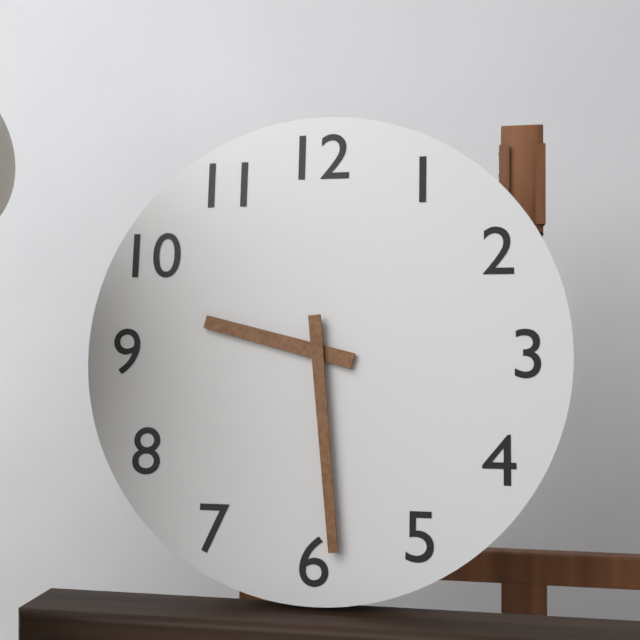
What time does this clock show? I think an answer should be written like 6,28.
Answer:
9,29
